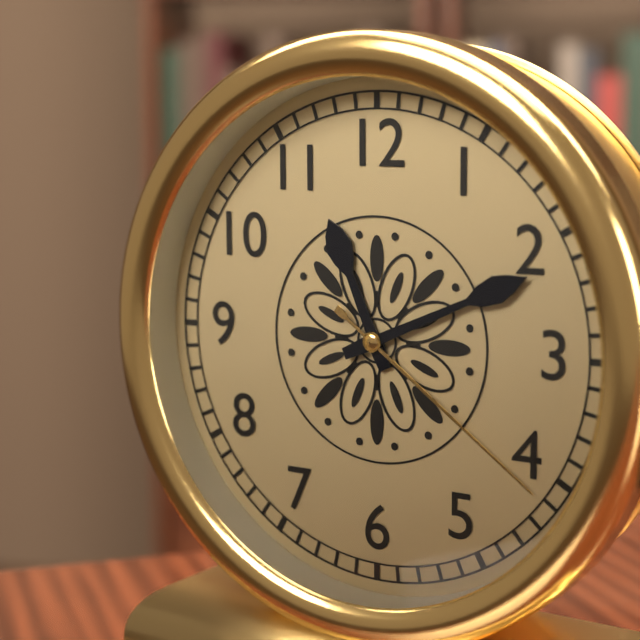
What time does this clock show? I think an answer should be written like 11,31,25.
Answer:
11,11,21
